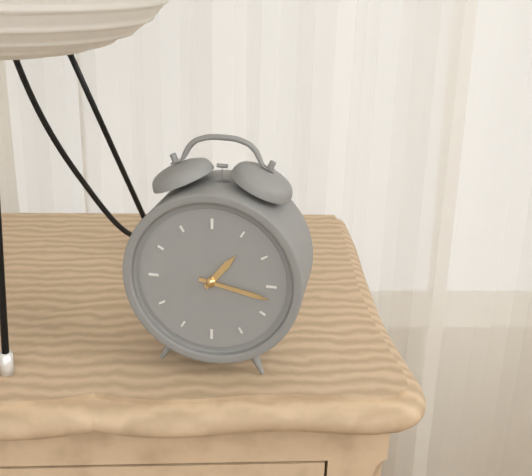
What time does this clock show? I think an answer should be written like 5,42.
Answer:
1,17
